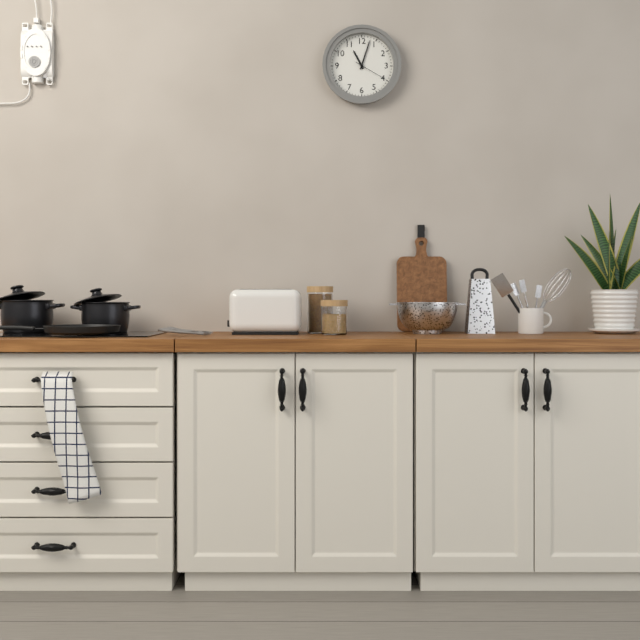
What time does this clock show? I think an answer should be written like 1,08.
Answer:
11,03
